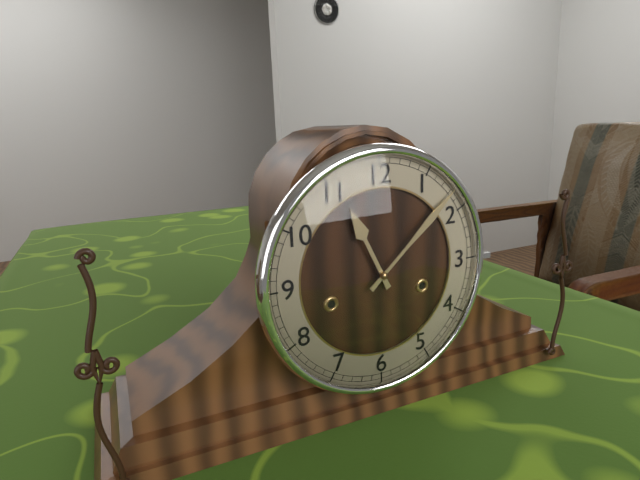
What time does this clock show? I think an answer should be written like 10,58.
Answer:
11,08
